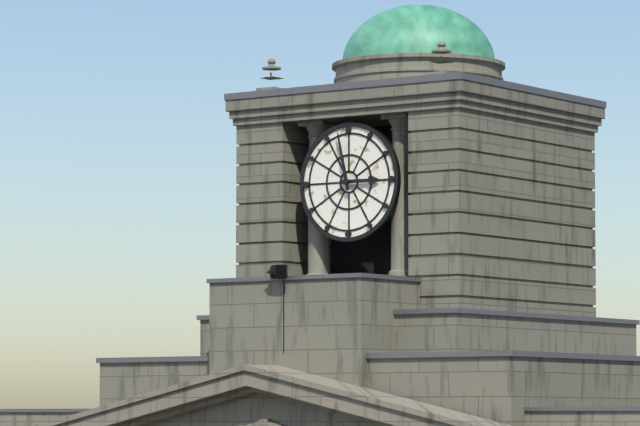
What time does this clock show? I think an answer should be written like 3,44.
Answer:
2,58
